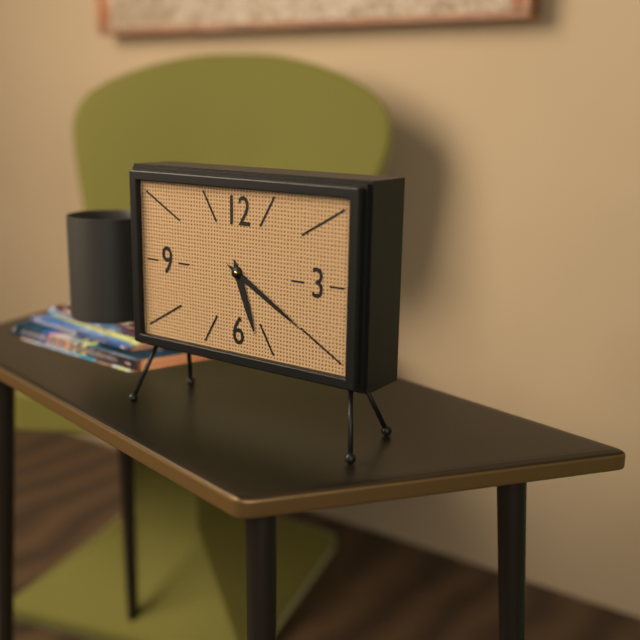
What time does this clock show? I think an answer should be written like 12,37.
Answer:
5,20
